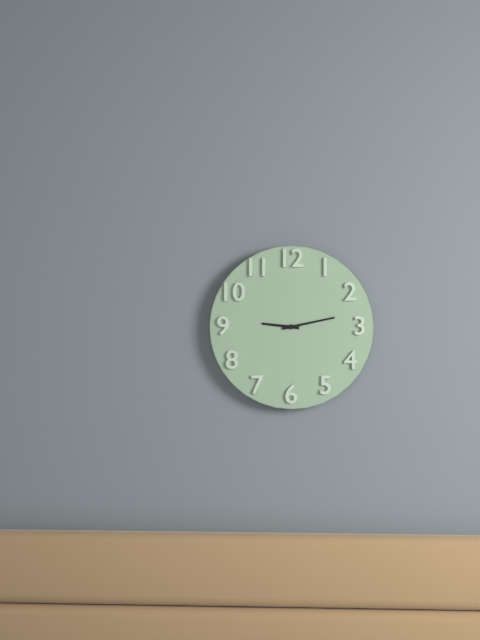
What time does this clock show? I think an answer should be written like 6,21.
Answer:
9,13
